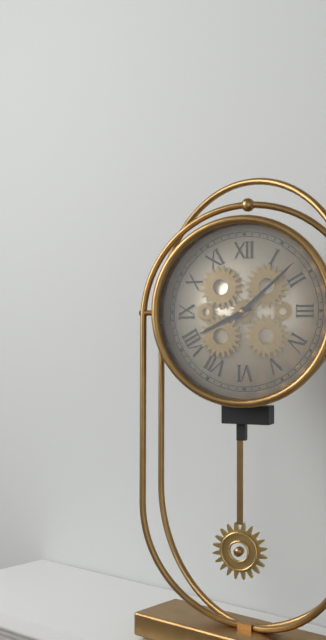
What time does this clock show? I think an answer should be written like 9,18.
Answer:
8,08
